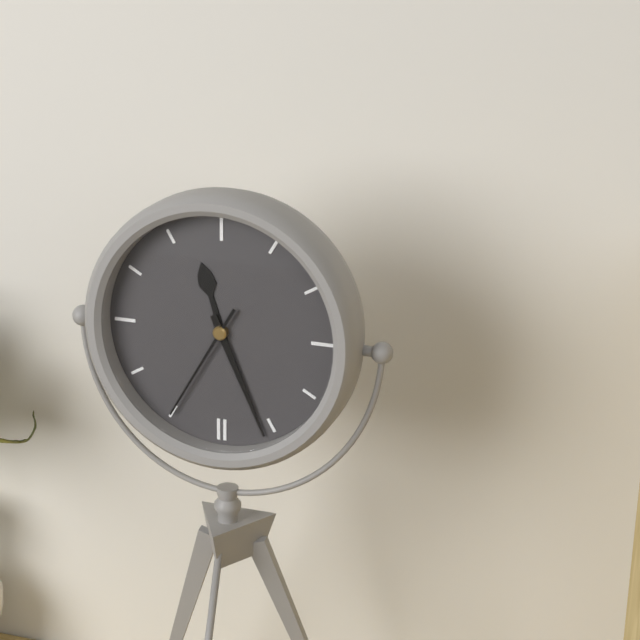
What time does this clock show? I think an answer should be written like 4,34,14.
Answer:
11,26,35
